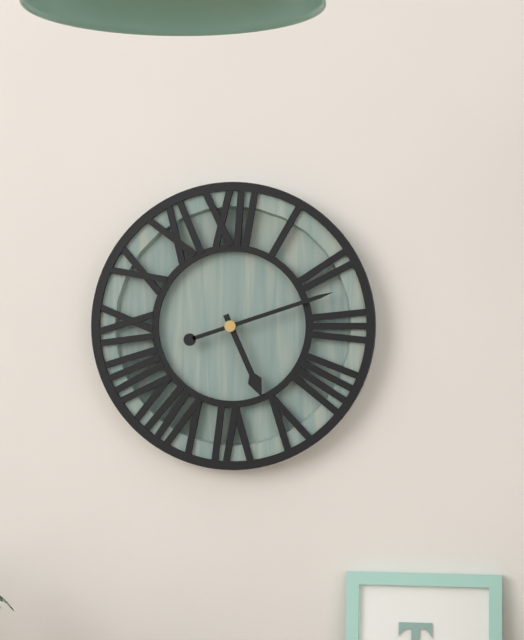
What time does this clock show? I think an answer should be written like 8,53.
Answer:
5,12
